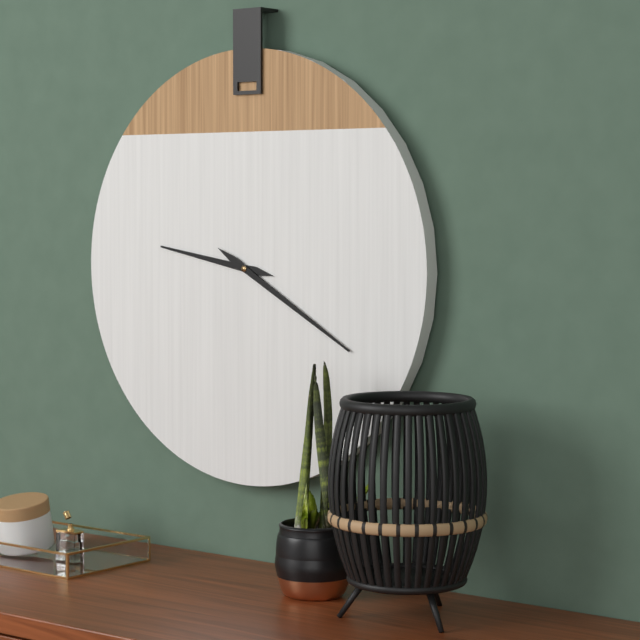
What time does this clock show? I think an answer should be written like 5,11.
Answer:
9,20
